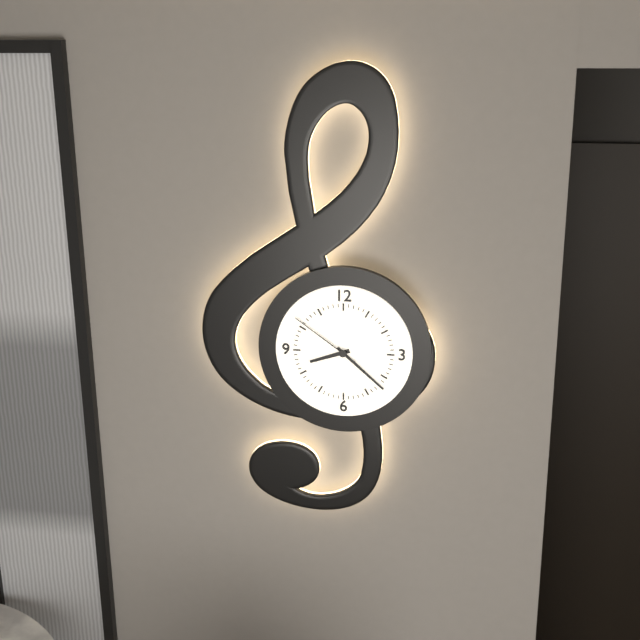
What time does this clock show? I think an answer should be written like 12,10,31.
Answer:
8,22,51
